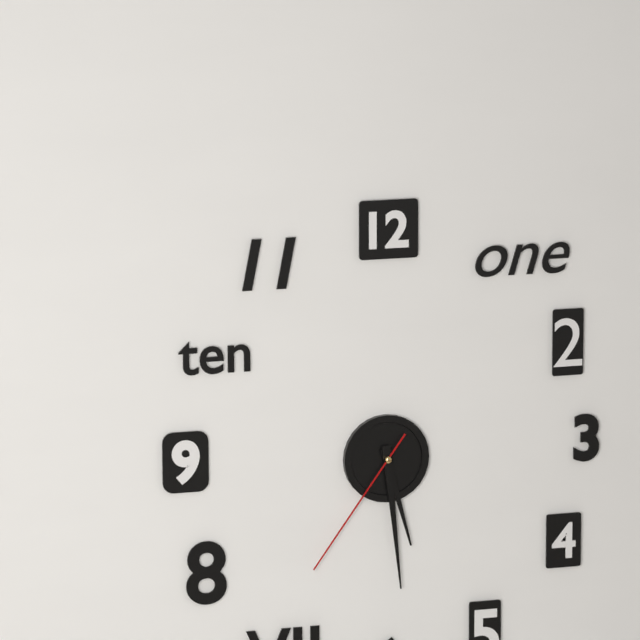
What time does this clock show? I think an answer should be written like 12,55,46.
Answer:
5,29,36
